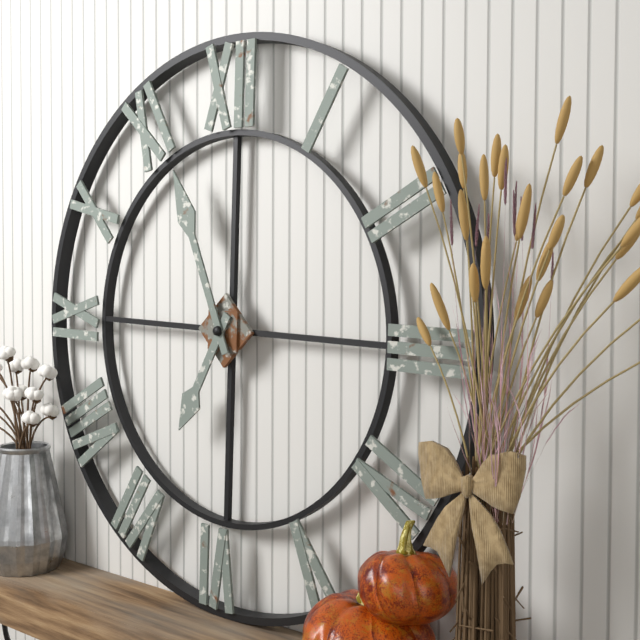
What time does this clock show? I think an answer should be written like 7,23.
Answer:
6,56
